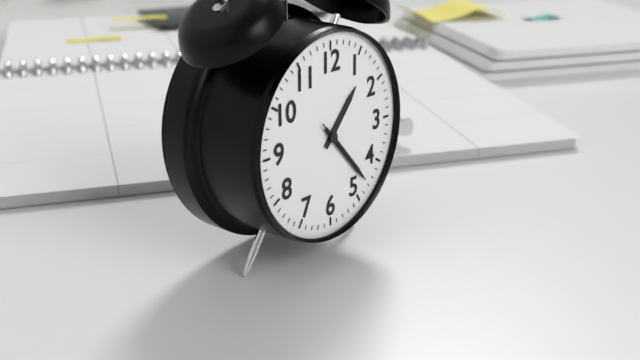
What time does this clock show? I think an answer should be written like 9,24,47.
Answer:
1,23,23
